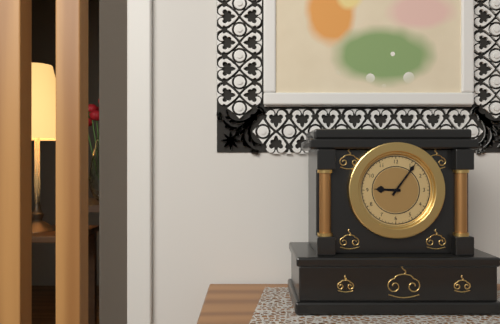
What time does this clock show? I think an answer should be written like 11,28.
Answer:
9,06
